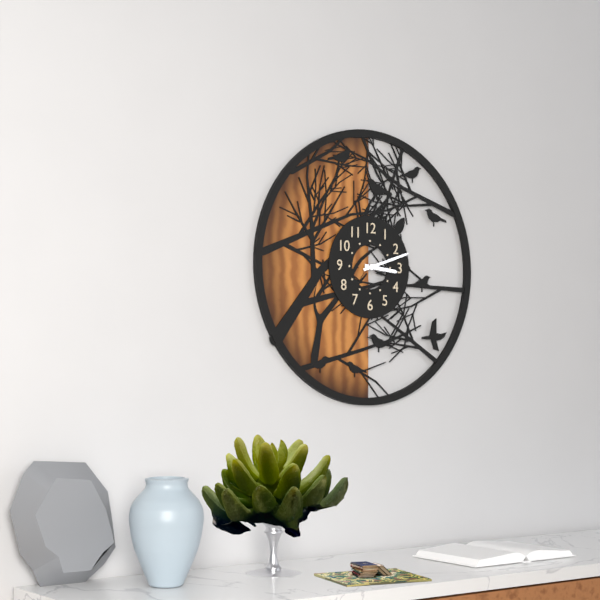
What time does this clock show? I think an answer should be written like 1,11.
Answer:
3,12
